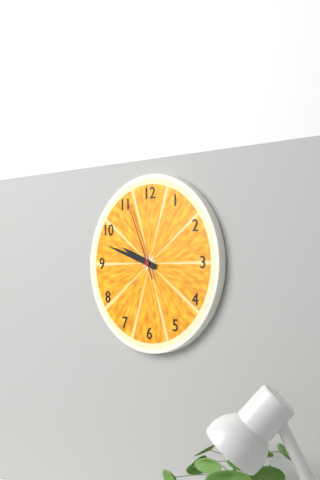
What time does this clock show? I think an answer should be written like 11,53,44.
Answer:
9,48,56
